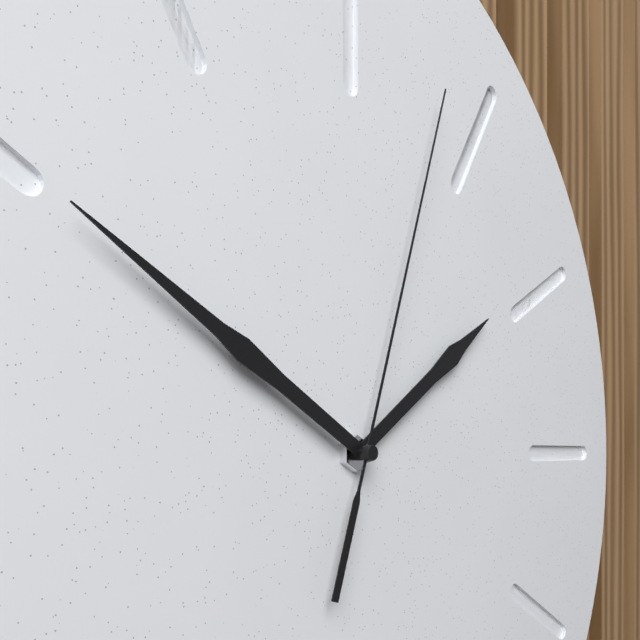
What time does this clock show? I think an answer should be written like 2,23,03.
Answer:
1,50,03
